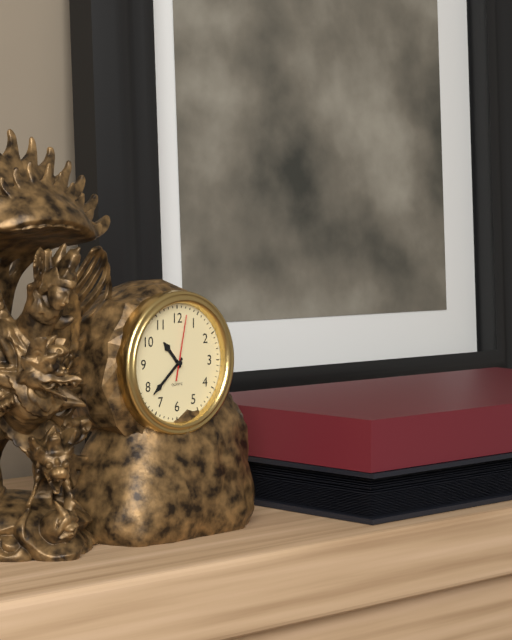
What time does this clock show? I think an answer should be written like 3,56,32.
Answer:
10,38,02
